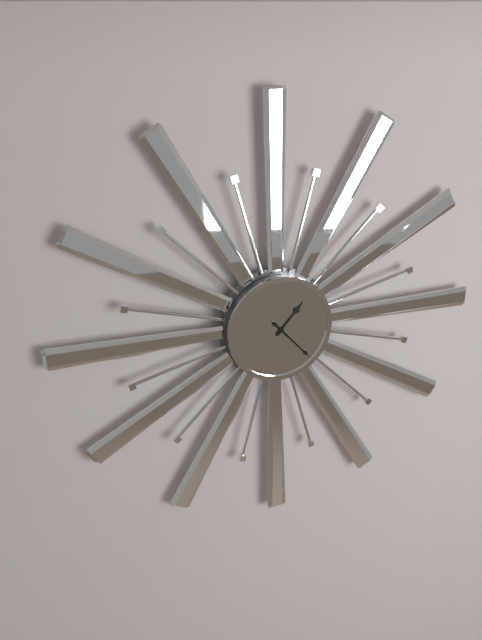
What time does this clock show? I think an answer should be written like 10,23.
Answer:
1,23
